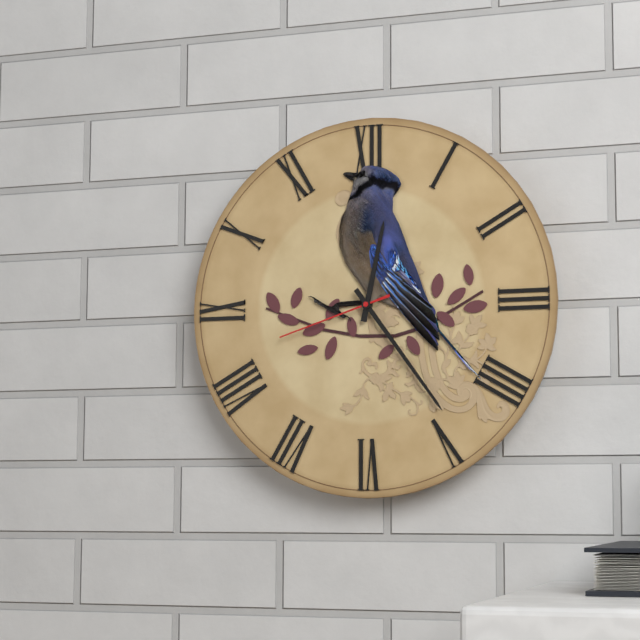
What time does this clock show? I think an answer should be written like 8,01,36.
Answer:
12,24,42
